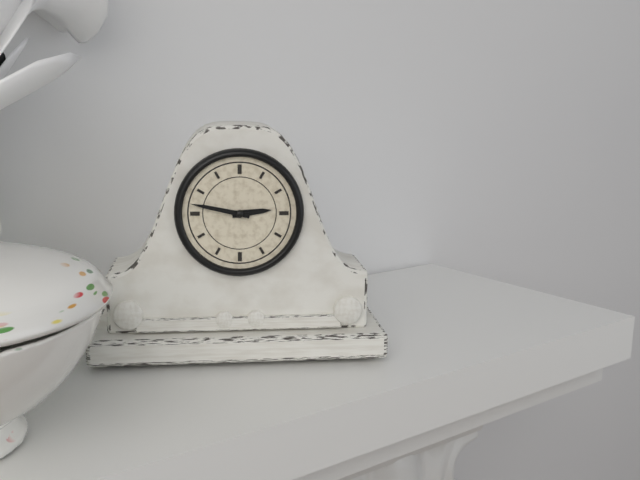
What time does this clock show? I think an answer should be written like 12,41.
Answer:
2,47
